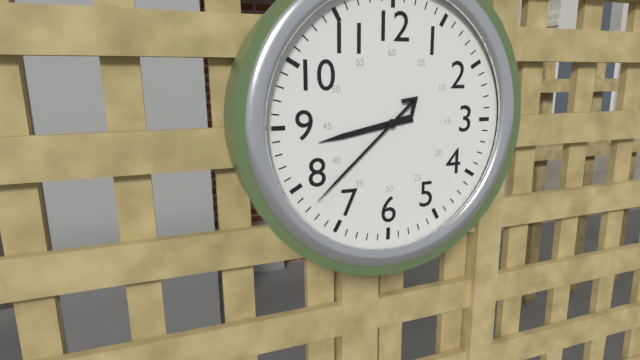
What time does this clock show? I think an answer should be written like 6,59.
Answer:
8,38
